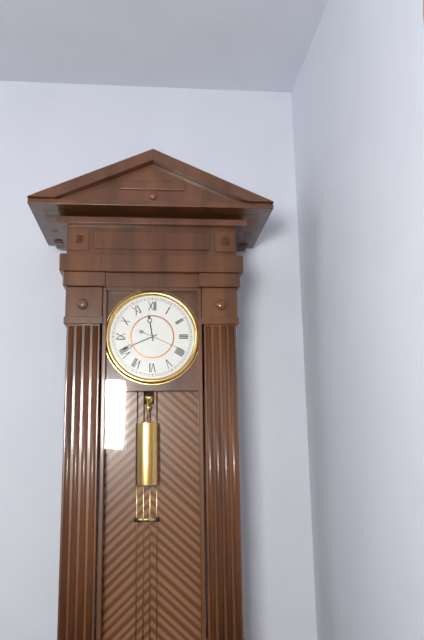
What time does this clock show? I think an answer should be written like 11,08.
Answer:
11,41
